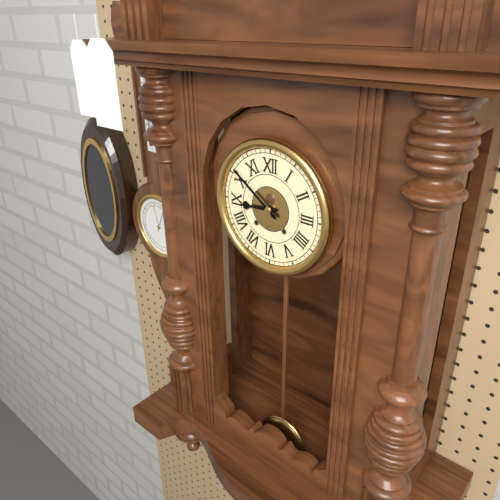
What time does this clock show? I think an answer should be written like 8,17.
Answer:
8,51
